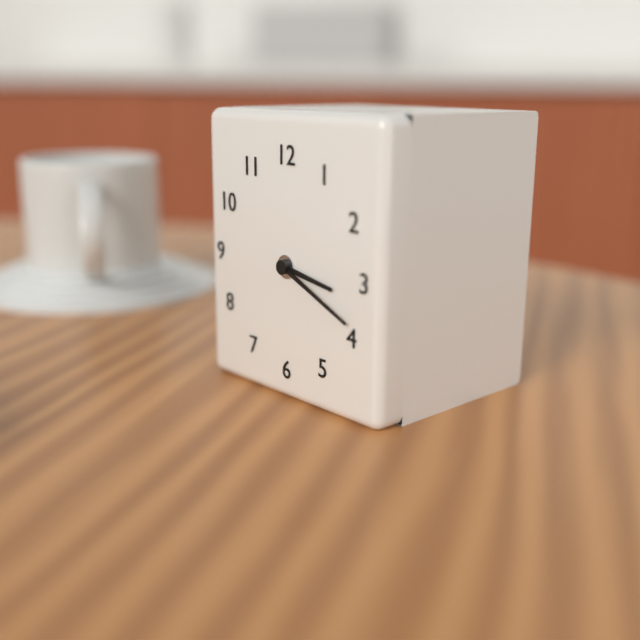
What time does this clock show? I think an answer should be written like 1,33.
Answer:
3,19
